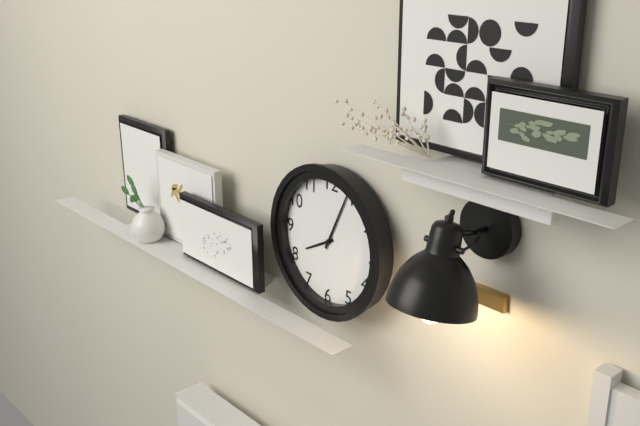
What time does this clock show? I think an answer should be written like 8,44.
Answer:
8,04
